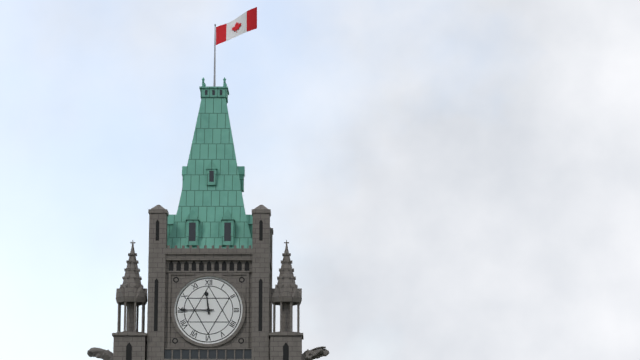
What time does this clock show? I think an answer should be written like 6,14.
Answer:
11,45
